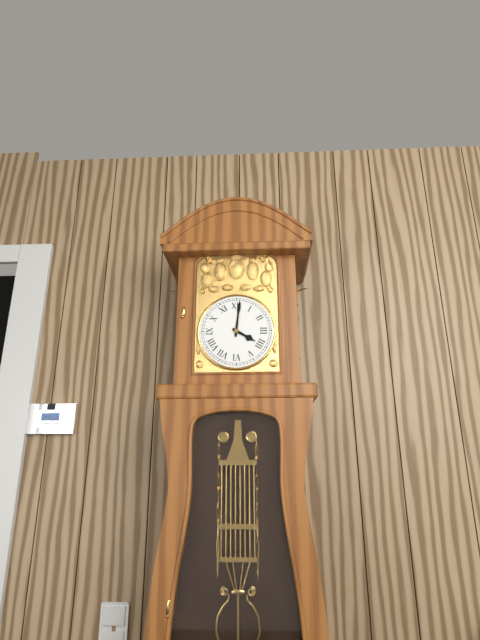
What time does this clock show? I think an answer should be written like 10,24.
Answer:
4,01
